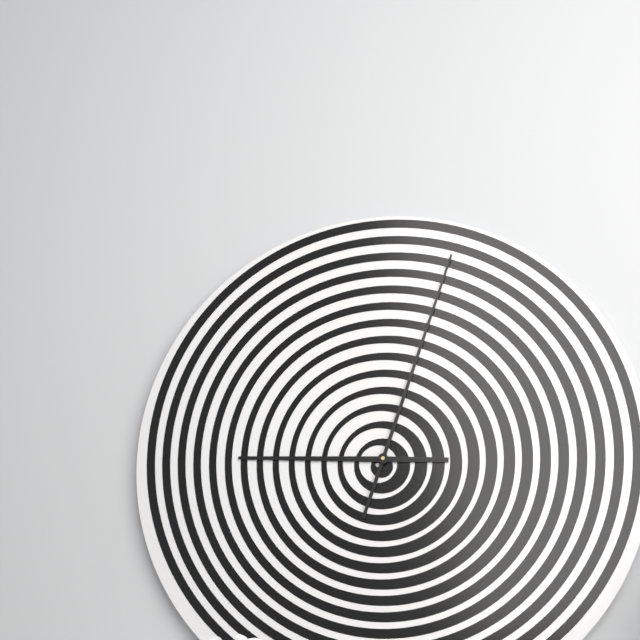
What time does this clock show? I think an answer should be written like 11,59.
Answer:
9,03
